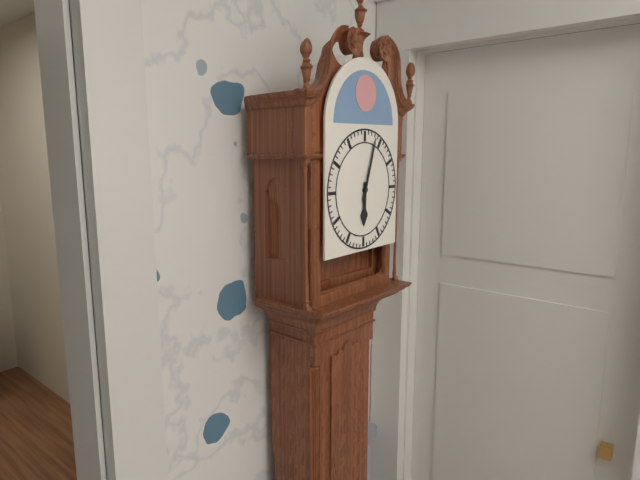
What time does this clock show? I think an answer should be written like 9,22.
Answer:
6,03
